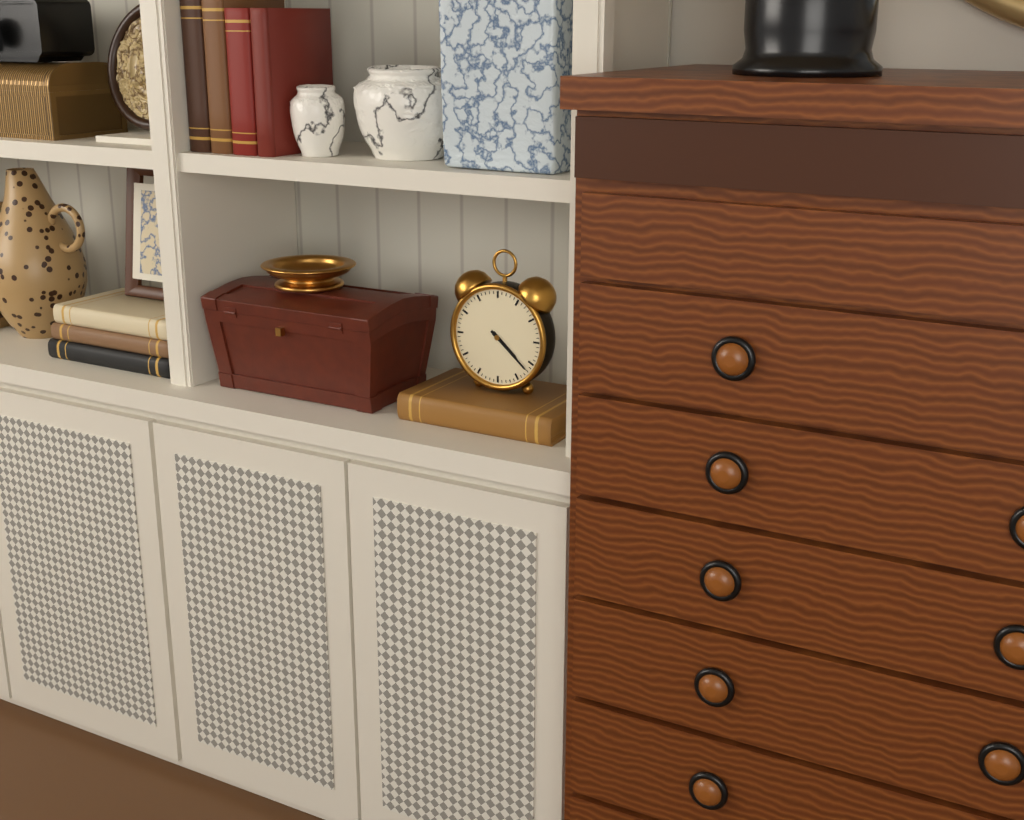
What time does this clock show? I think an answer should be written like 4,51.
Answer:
4,22
